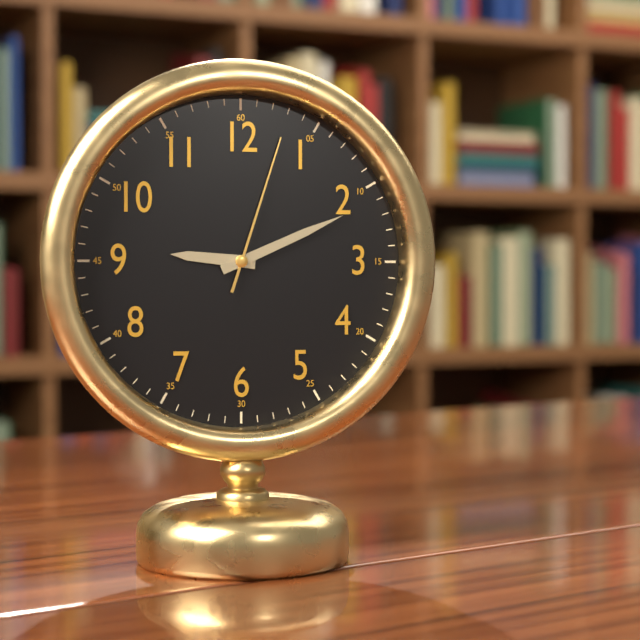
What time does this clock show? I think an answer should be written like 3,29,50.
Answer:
9,11,03
